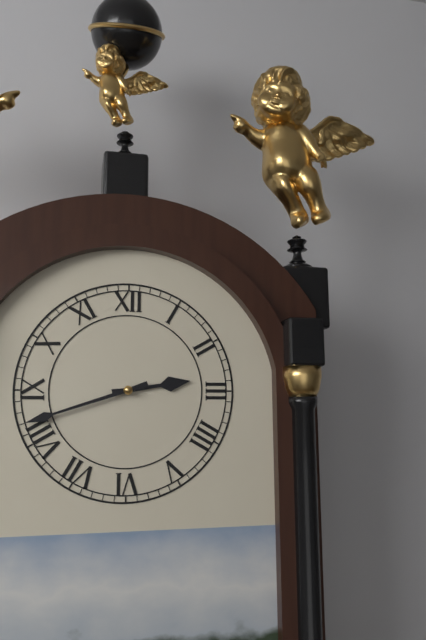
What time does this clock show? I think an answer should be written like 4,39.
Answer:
2,42
